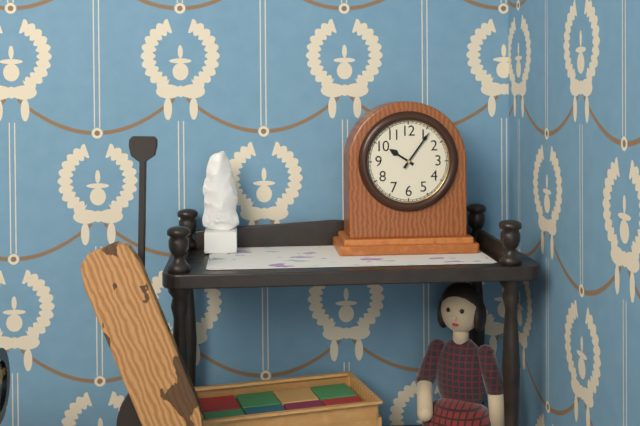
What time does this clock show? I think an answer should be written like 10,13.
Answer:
10,06
